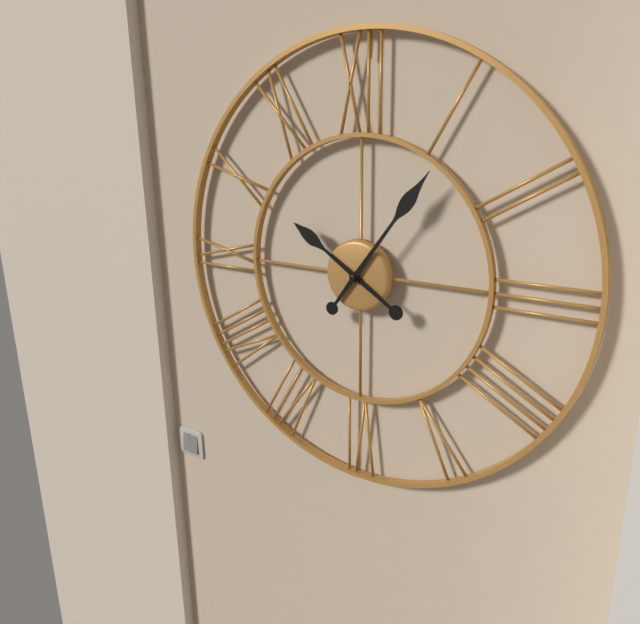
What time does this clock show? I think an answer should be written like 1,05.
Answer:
10,06
